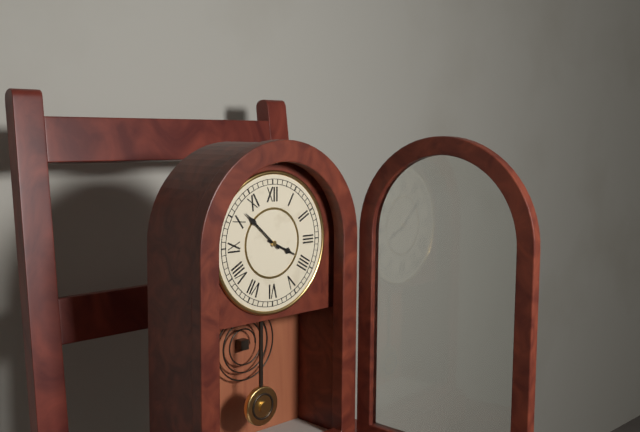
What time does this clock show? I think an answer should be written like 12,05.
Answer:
3,52
